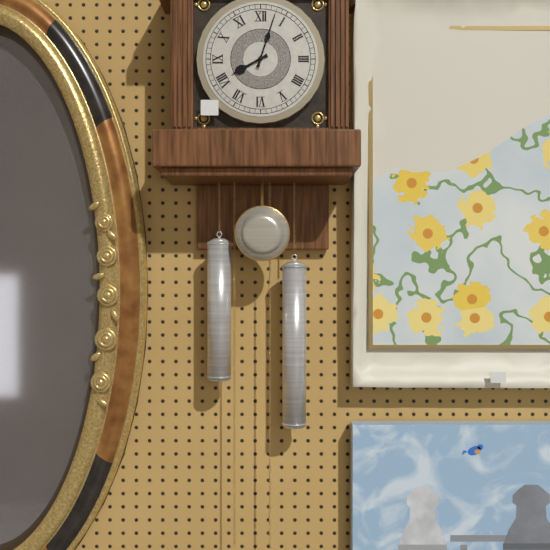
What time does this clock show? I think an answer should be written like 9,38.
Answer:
8,03
